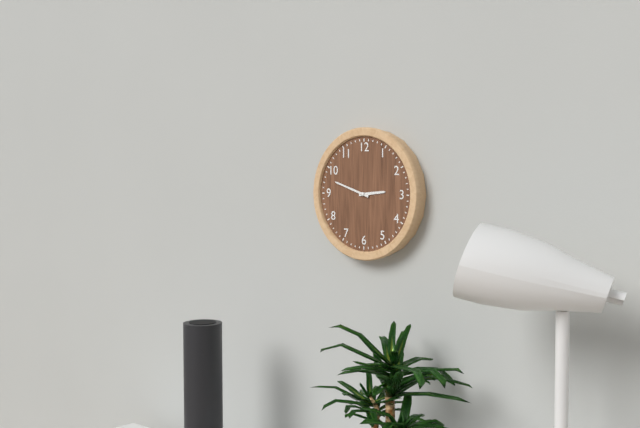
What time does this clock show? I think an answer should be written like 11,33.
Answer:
2,48
